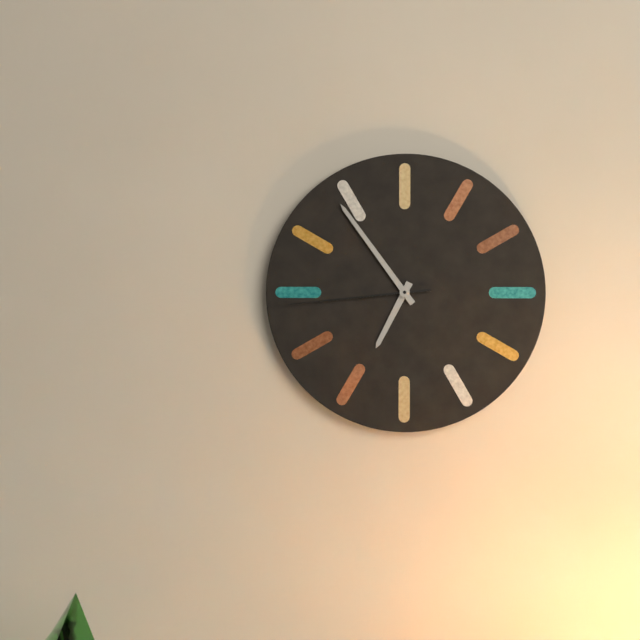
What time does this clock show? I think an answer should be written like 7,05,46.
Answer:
6,54,44
